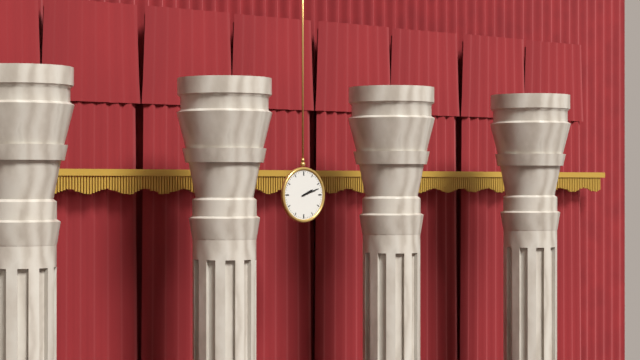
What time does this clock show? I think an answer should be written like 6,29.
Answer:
2,12
